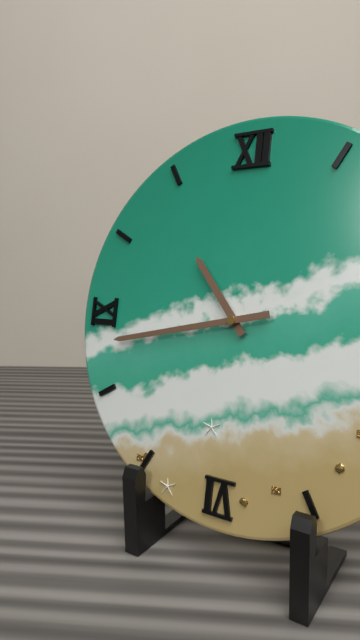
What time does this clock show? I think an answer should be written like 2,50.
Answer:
10,43
